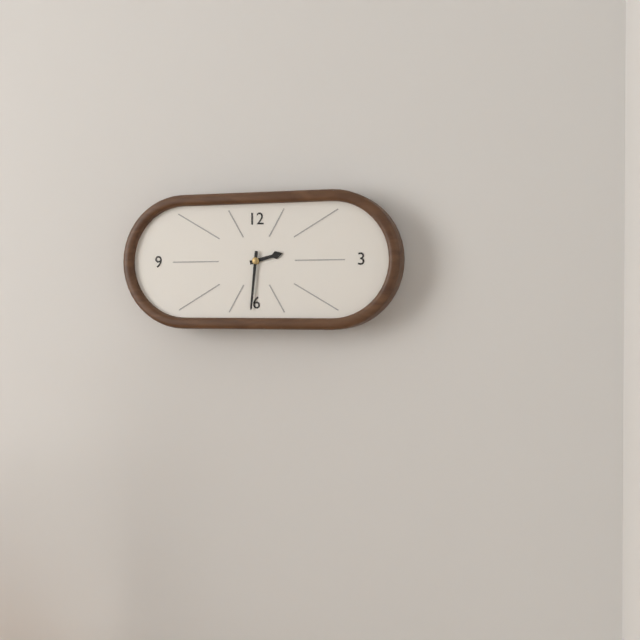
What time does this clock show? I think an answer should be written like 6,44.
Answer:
2,31
